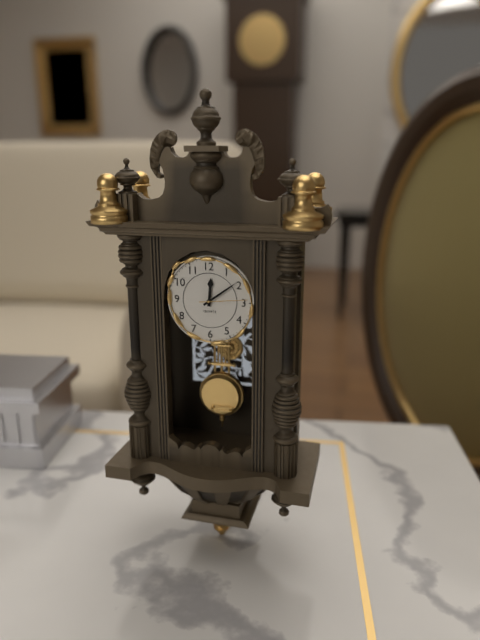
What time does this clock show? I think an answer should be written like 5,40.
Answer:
12,09
